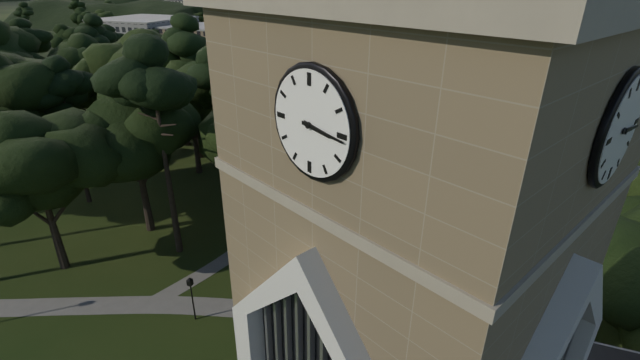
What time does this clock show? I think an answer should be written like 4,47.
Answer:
3,16
